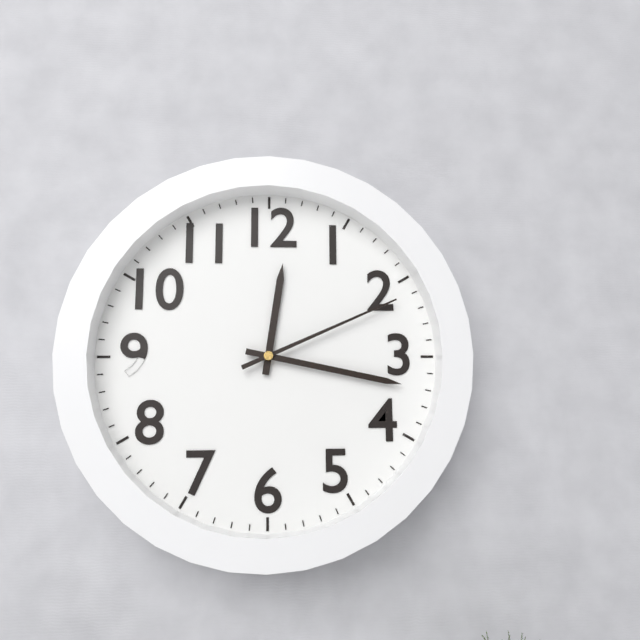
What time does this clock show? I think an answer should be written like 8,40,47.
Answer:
12,17,11
